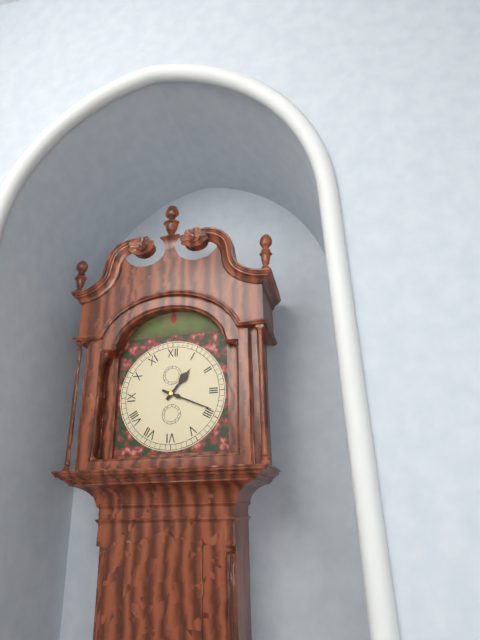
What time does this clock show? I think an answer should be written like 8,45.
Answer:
1,19
